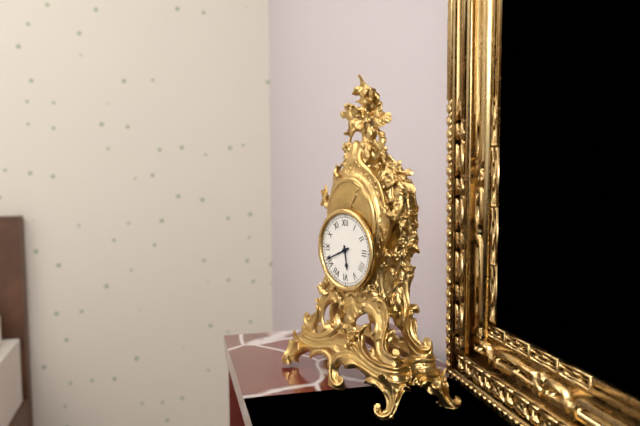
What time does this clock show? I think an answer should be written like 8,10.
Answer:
5,41
